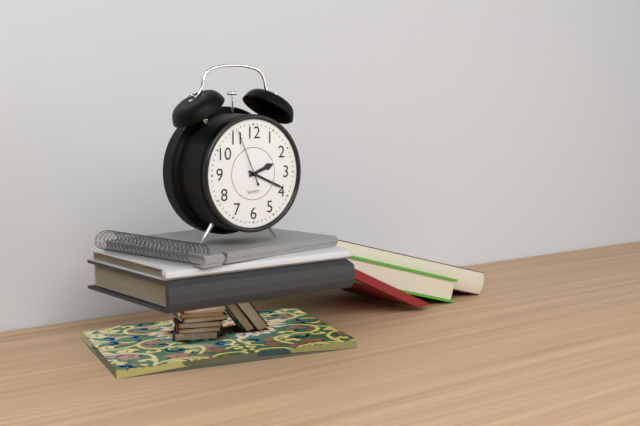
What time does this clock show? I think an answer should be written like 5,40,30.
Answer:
2,19,56
